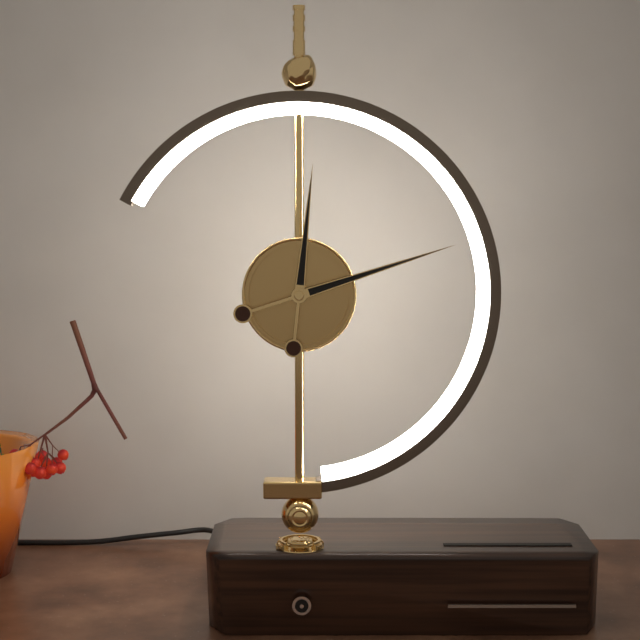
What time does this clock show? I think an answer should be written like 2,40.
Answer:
12,12
